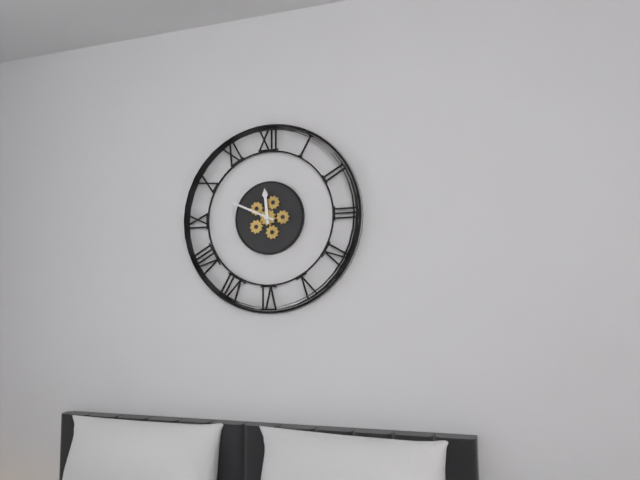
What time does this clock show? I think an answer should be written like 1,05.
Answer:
11,49
